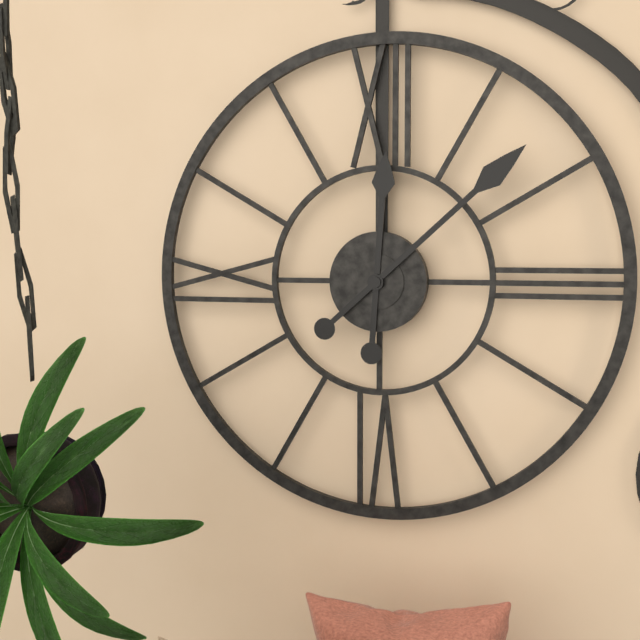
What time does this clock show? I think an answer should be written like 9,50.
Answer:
12,08
